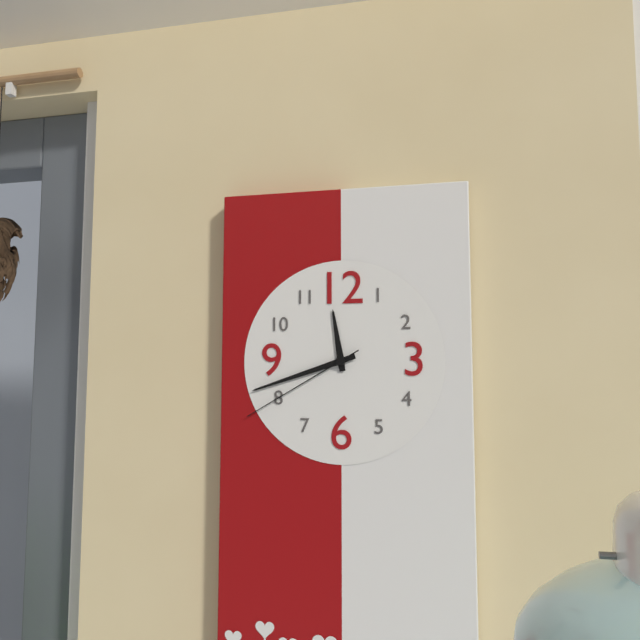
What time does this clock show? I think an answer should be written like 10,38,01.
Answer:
11,42,40
